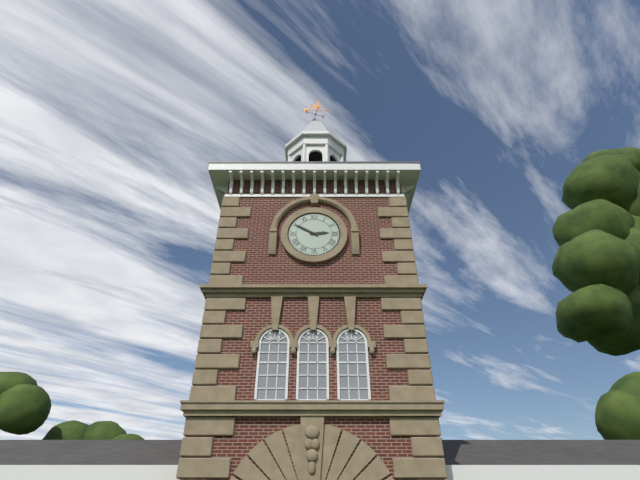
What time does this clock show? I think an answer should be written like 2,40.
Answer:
2,50
